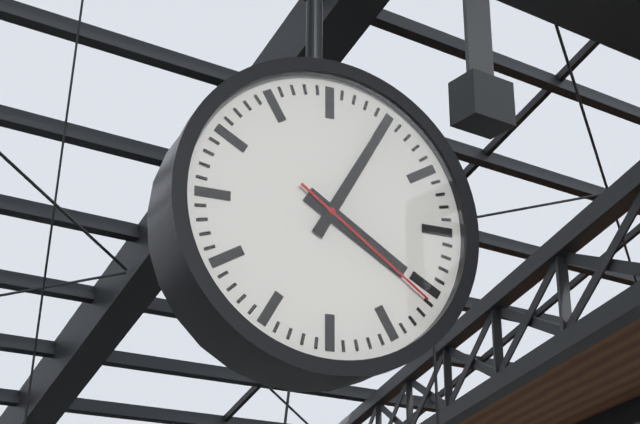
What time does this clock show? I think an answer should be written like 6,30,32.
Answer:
4,05,21
